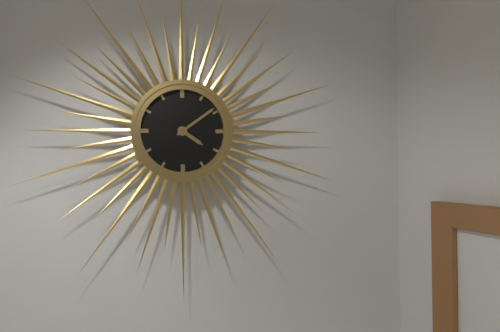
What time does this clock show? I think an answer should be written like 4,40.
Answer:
4,09
